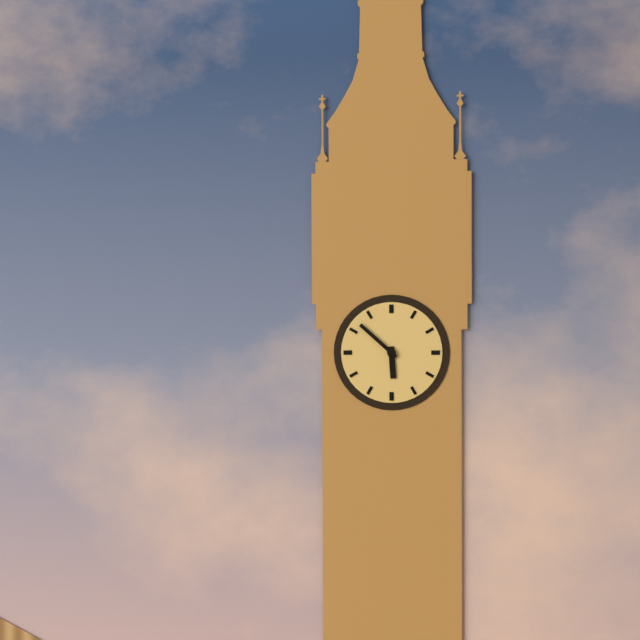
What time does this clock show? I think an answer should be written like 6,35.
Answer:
5,52
